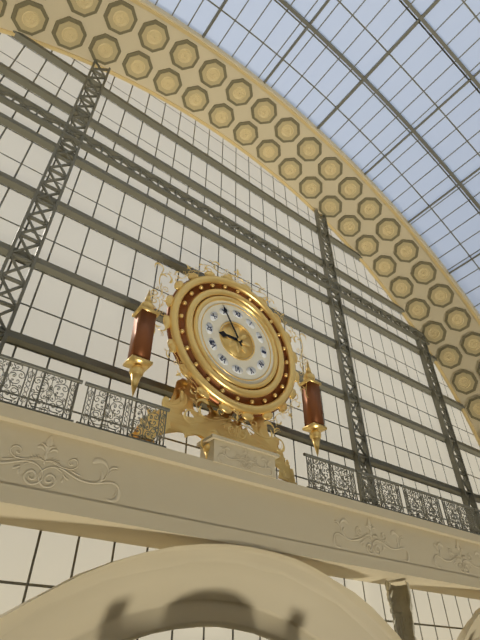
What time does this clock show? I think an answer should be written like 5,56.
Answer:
8,55
